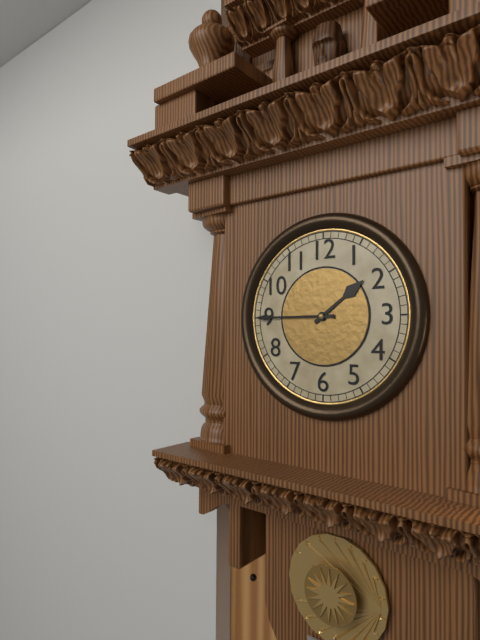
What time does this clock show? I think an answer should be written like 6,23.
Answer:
1,45
